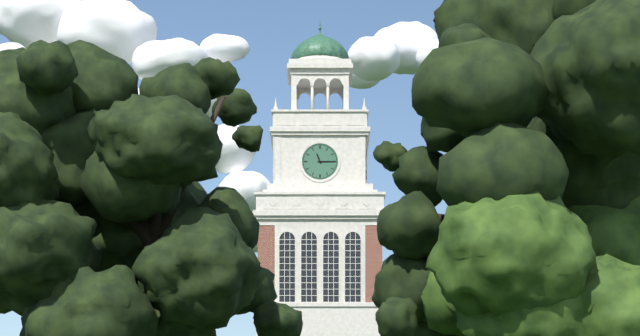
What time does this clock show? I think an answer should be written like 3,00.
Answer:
11,15
